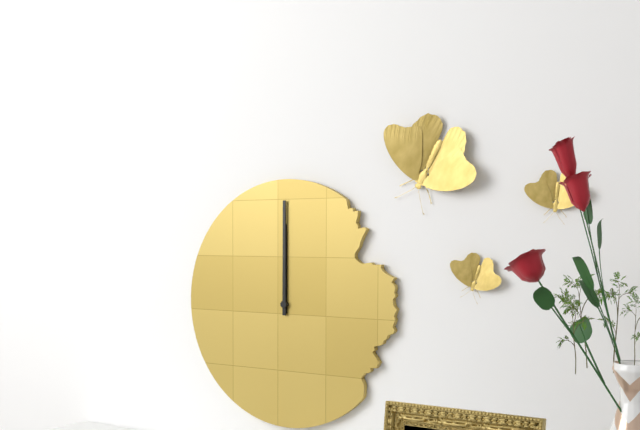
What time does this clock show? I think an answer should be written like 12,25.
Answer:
12,00
